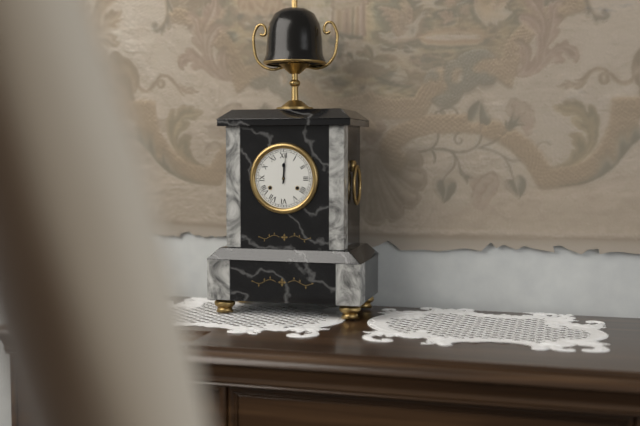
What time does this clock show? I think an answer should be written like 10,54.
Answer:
12,01
